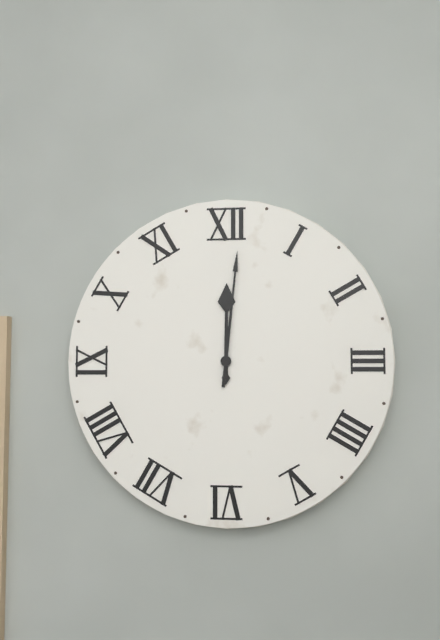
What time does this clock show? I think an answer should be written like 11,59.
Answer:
12,01
